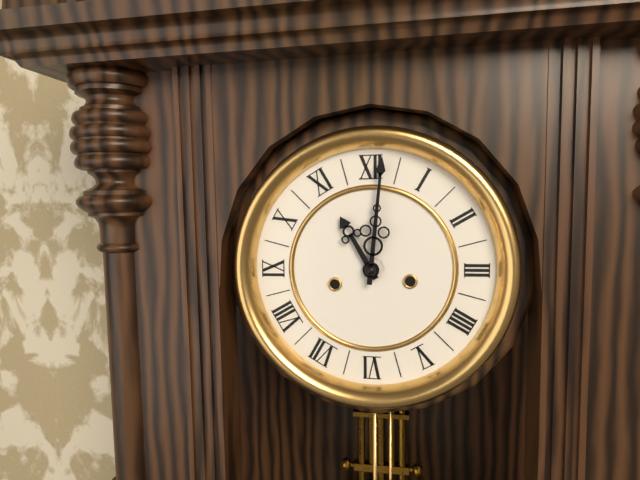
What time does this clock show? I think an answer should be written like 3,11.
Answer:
11,01
